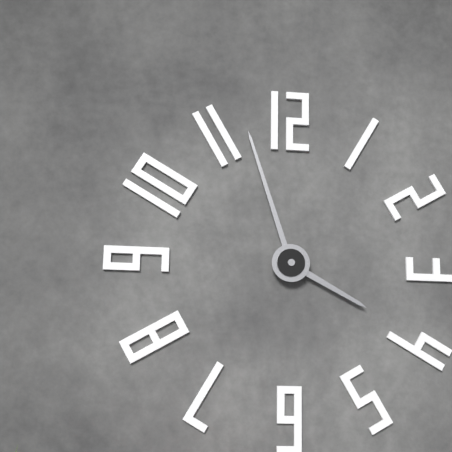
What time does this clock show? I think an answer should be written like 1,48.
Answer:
3,57
